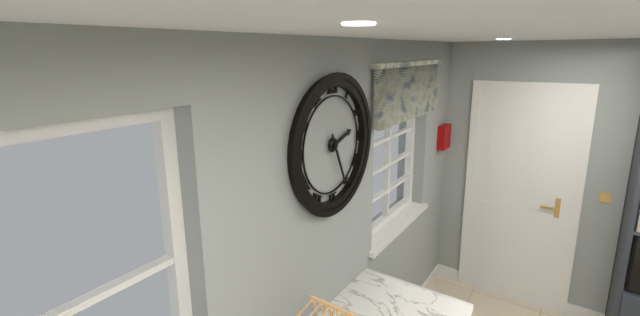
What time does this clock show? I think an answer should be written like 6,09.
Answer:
2,26
